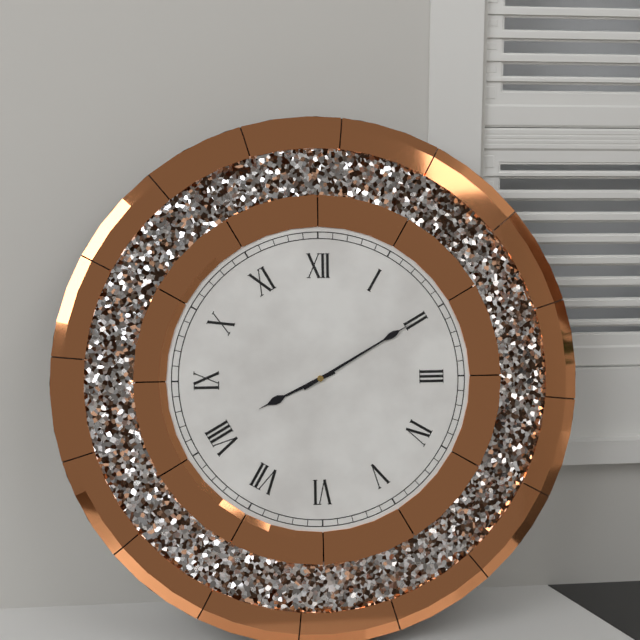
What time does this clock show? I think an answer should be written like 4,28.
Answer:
8,10
